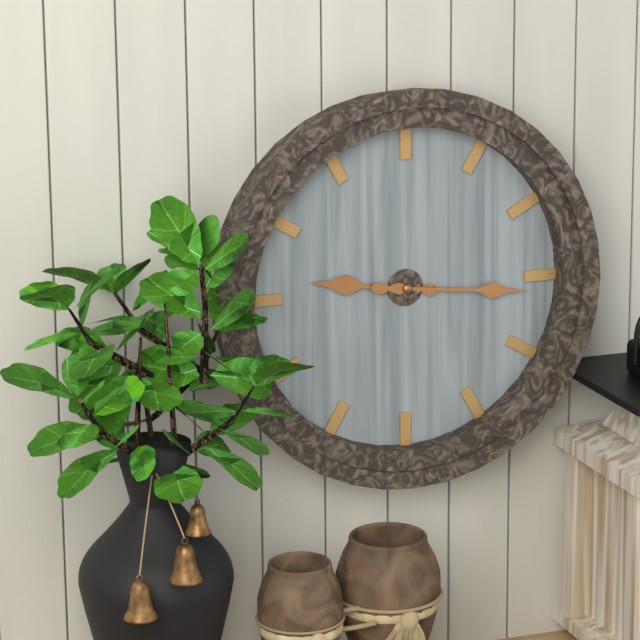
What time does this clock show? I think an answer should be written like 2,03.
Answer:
9,16
